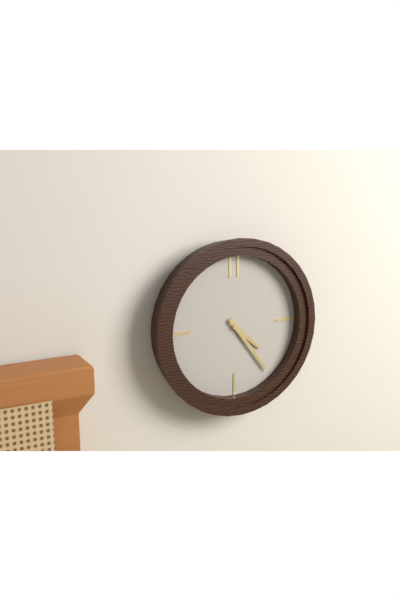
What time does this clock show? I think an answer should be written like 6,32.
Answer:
4,24
